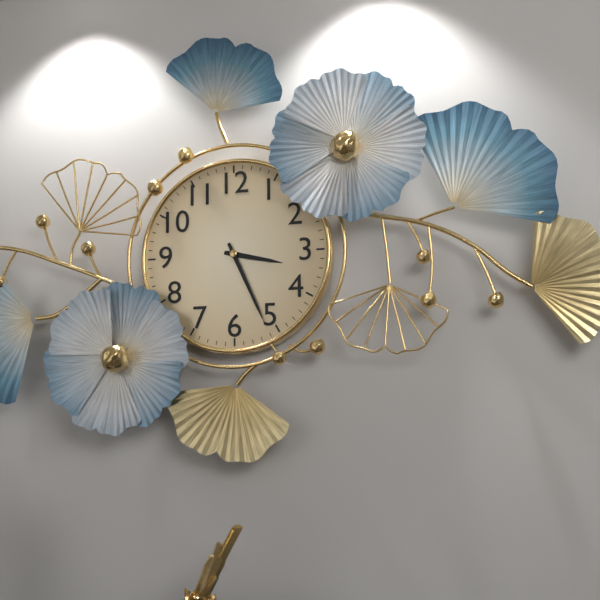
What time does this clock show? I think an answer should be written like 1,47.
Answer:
3,26
